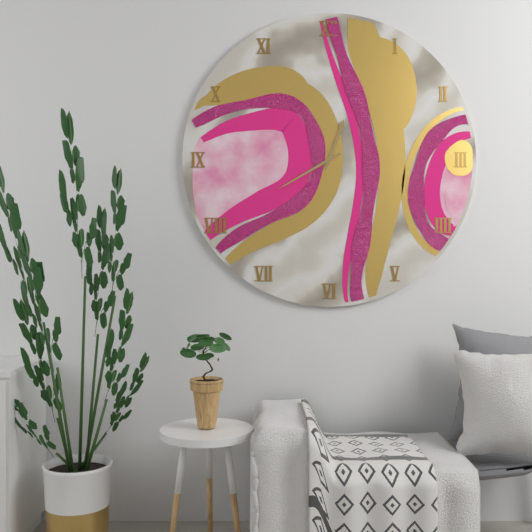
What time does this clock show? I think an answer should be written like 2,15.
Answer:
12,40
